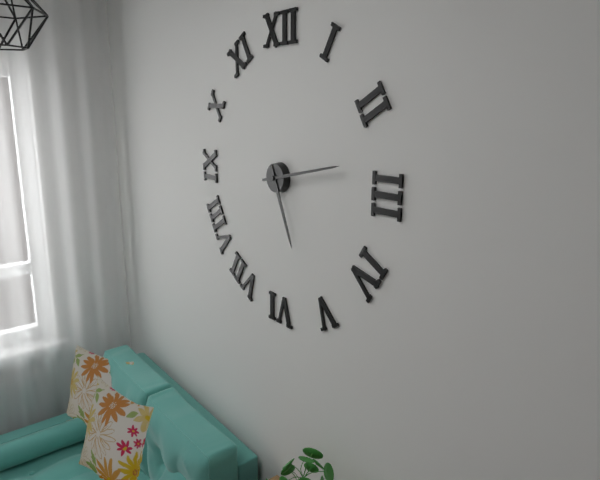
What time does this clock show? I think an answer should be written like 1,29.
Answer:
5,13
